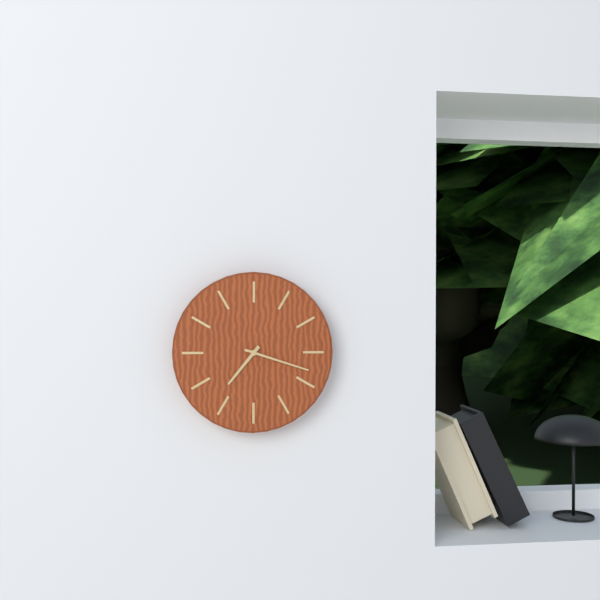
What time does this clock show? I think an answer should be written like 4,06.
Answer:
7,18
